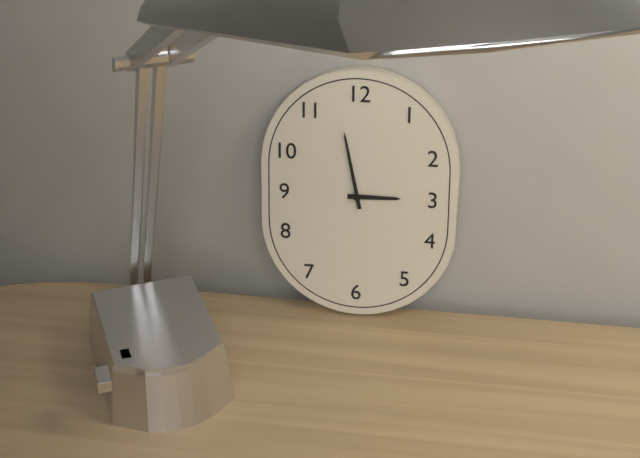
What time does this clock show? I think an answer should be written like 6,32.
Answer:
2,58
